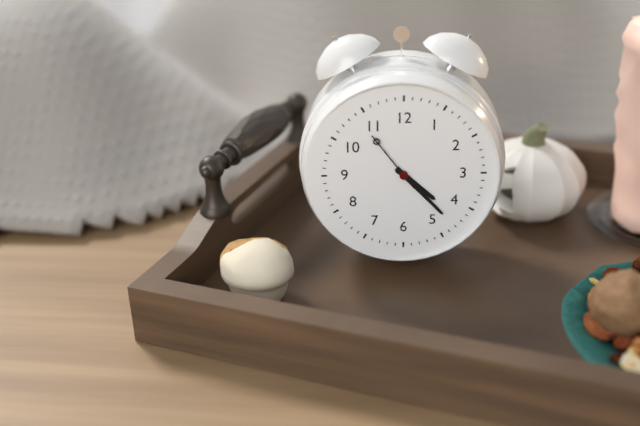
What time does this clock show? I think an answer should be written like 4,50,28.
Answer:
4,23,54
